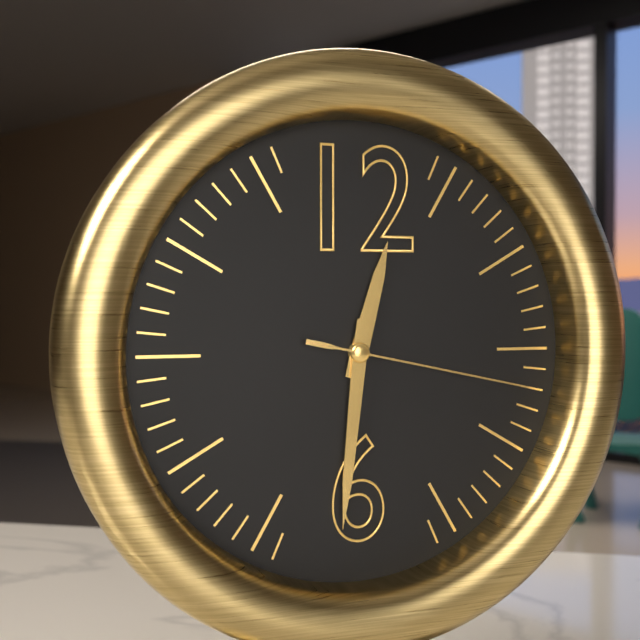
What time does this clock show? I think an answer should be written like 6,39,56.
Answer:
12,31,17
